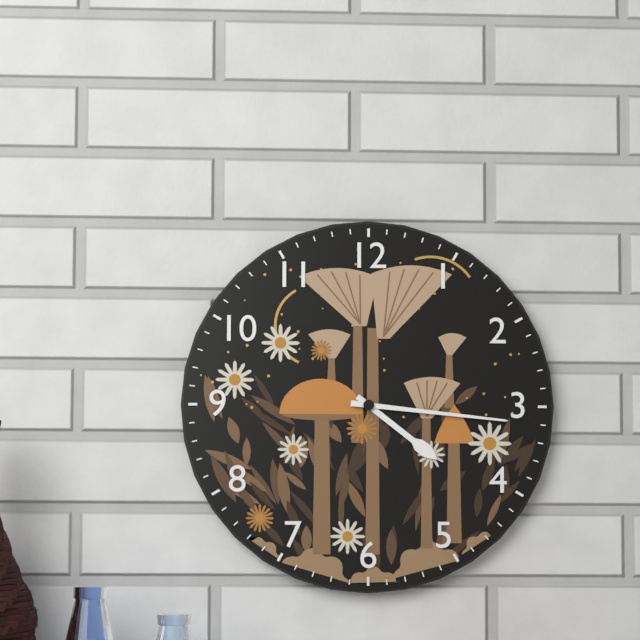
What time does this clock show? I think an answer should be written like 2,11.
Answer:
4,16
